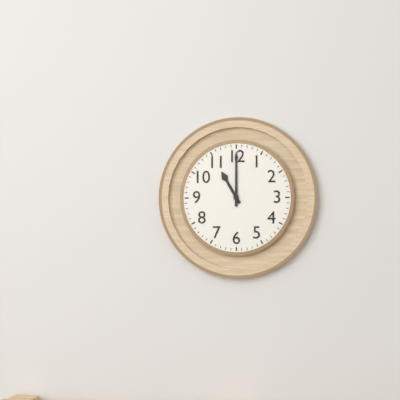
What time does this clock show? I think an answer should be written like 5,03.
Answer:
11,00
